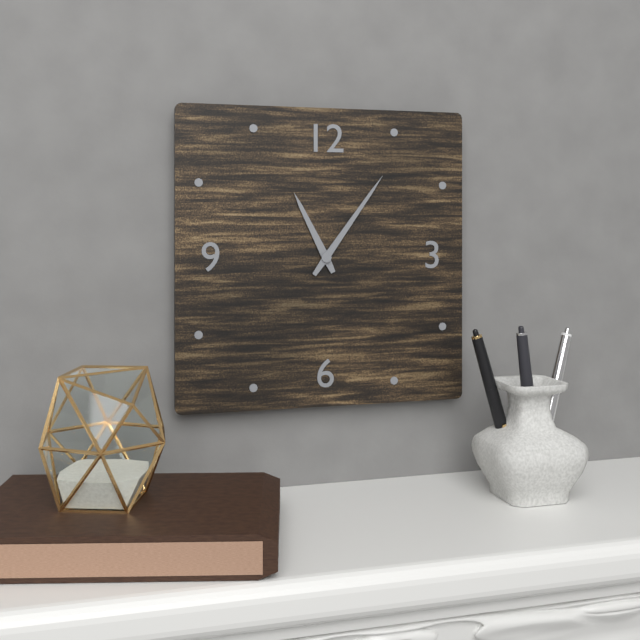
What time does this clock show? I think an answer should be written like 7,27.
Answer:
11,06
